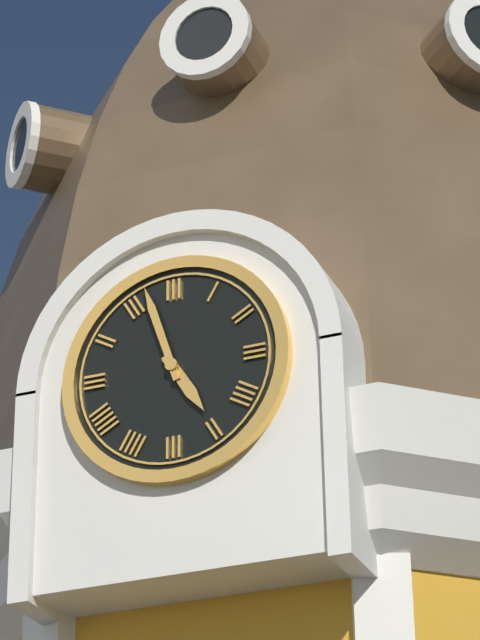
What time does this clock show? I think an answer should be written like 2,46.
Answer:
4,57
